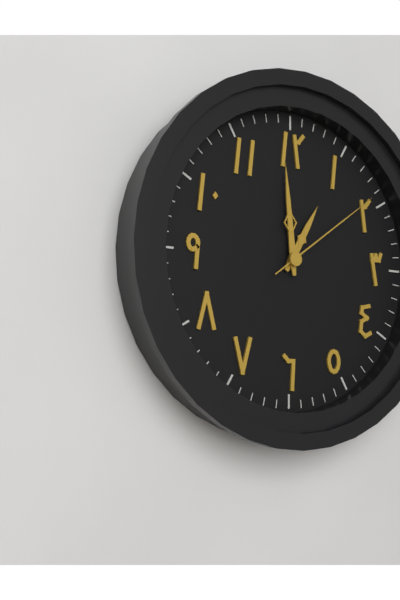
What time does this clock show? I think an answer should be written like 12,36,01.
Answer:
12,59,09
